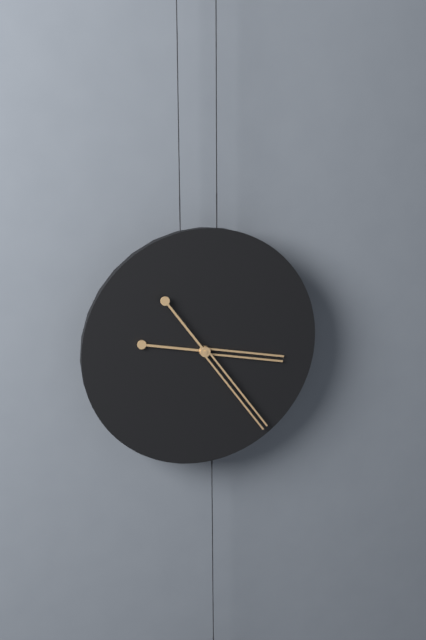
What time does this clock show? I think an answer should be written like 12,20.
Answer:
3,24
